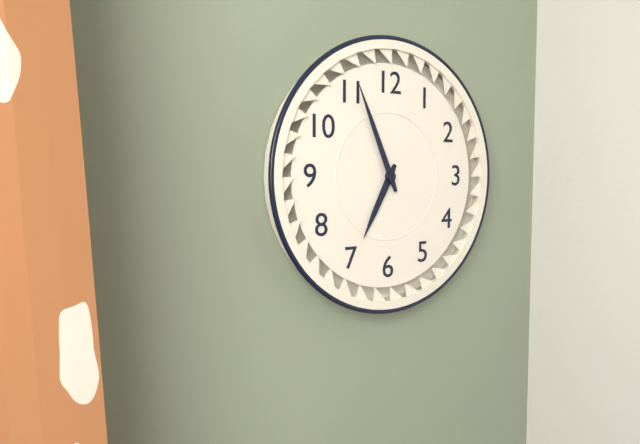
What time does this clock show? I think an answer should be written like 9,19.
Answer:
6,56
